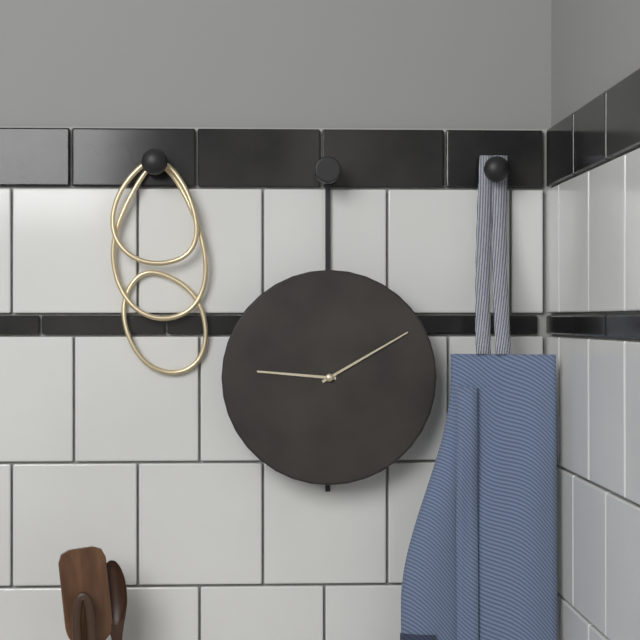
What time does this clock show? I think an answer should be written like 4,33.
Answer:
9,10
